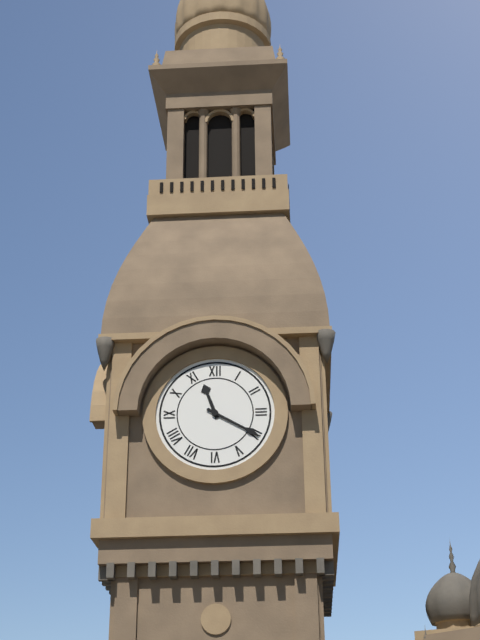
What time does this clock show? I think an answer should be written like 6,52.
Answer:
11,20
